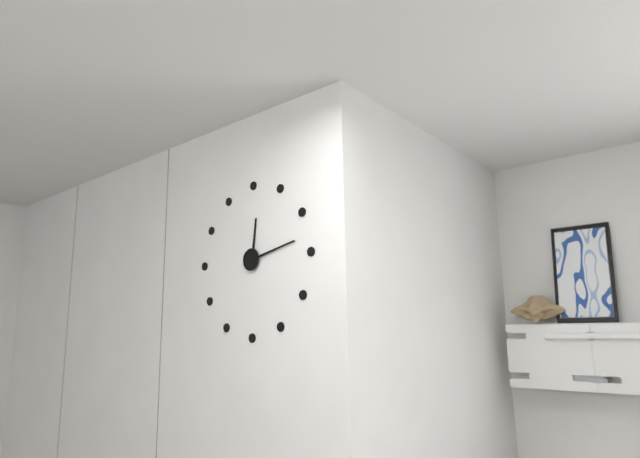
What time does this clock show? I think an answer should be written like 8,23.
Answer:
12,13
